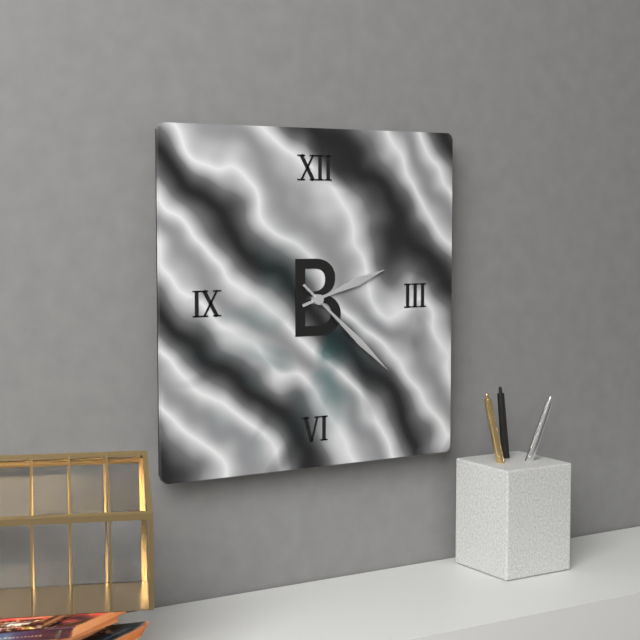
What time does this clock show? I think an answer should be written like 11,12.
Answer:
2,22
